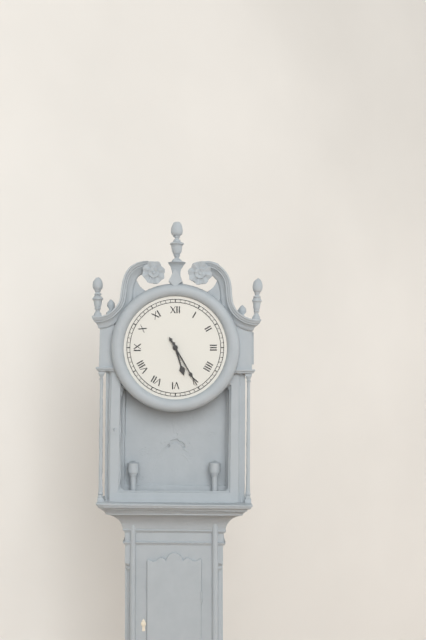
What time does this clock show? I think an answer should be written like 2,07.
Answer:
5,25
